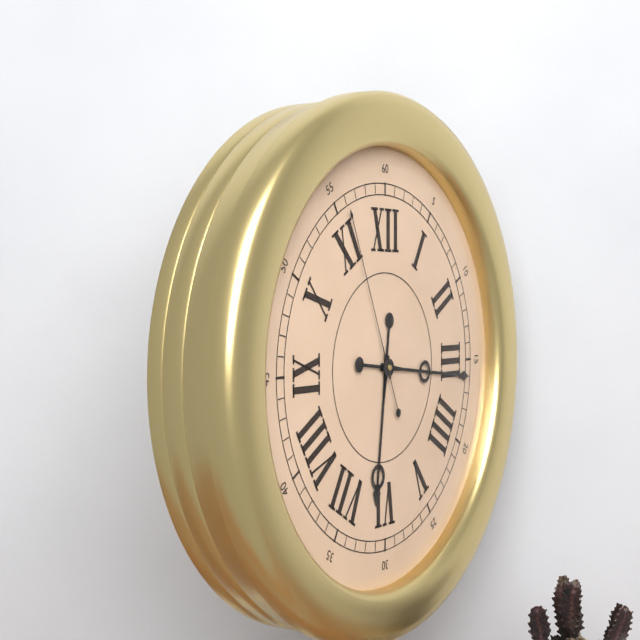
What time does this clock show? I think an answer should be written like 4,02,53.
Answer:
6,16,56
